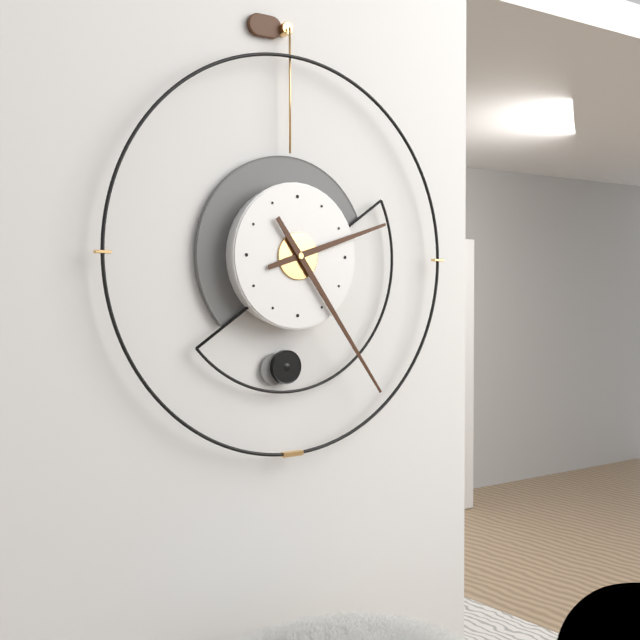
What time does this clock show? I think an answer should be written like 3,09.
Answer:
2,24
